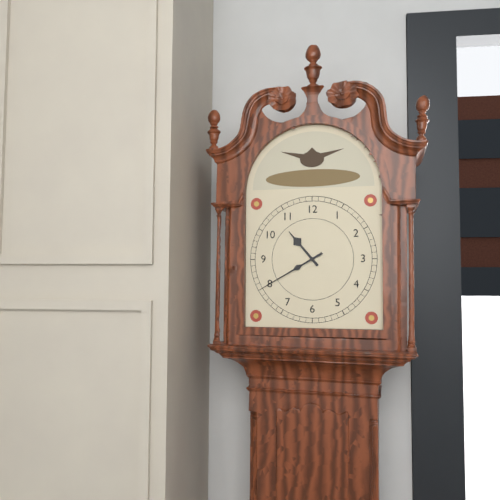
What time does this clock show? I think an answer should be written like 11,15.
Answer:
10,40
